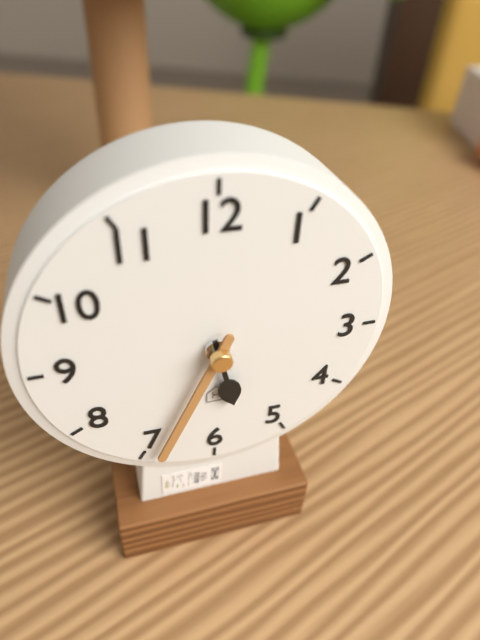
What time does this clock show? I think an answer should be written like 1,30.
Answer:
5,34
